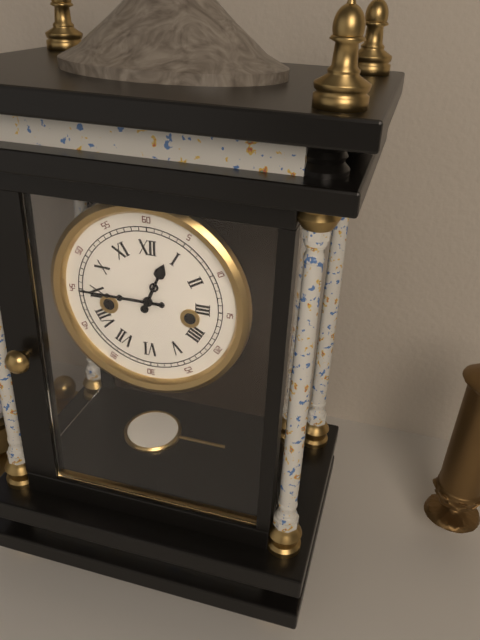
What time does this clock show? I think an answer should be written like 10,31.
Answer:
12,45
